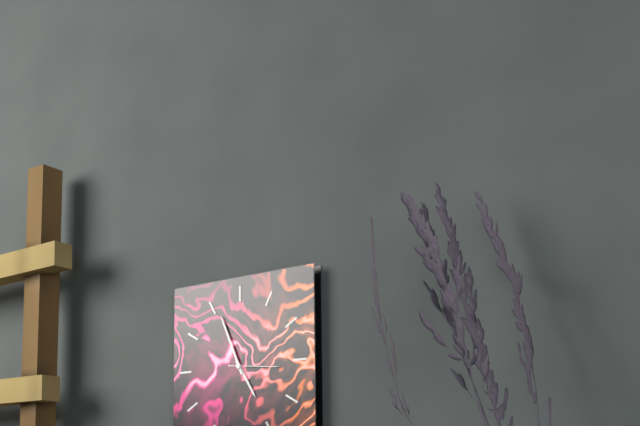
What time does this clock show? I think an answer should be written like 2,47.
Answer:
4,56
